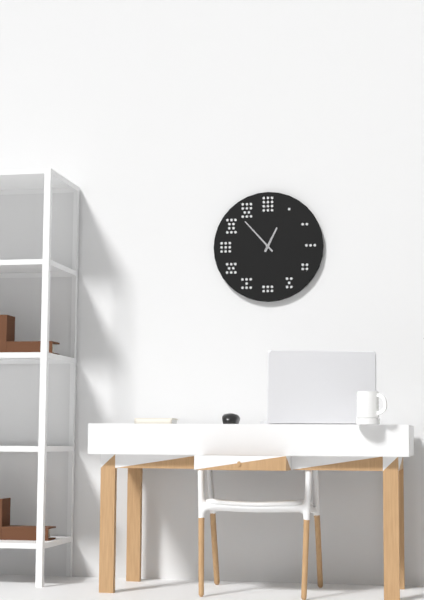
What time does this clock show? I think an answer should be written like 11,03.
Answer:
12,53
